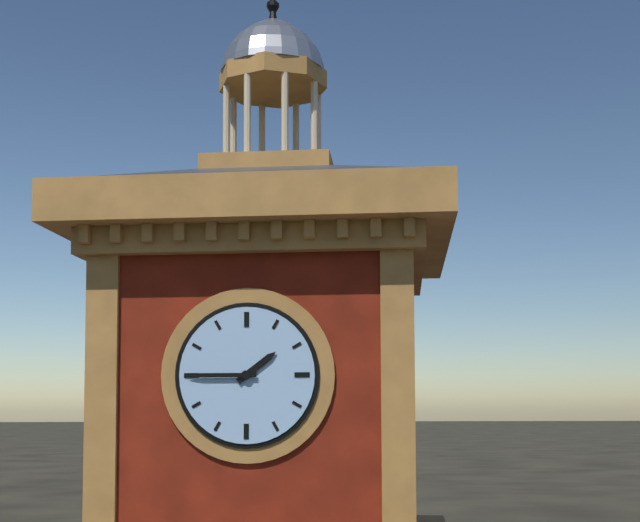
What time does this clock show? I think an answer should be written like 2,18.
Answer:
1,45
